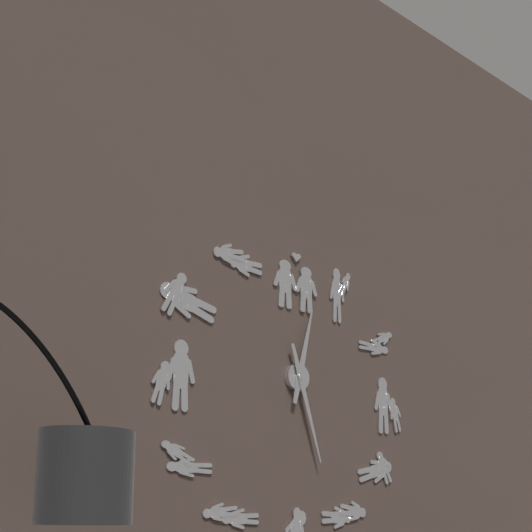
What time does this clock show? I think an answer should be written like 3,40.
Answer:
12,27
